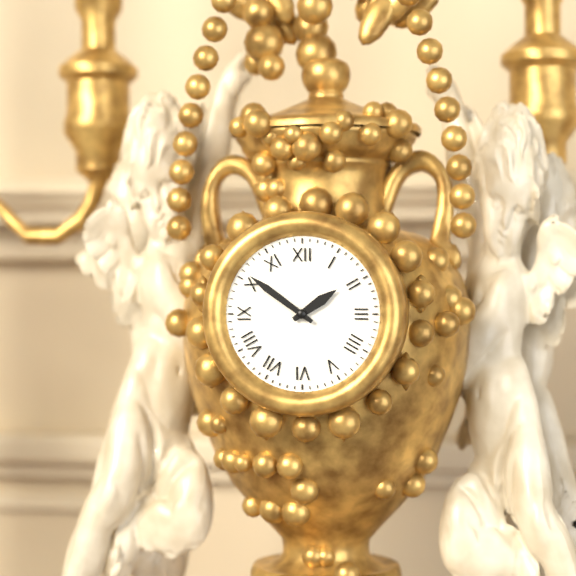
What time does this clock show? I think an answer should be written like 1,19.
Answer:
1,51
